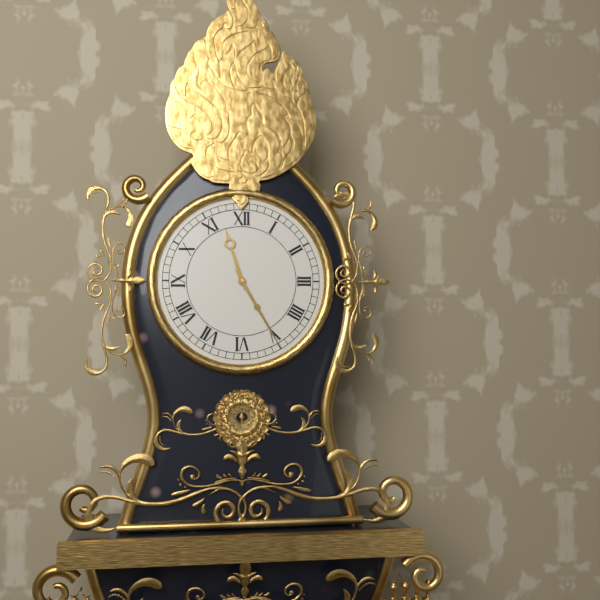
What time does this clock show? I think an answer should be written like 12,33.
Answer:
11,25
